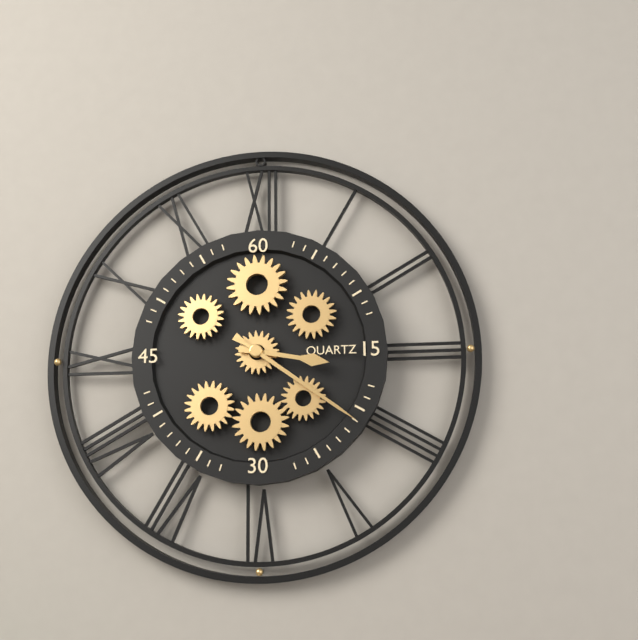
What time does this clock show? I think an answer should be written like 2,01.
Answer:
3,21
